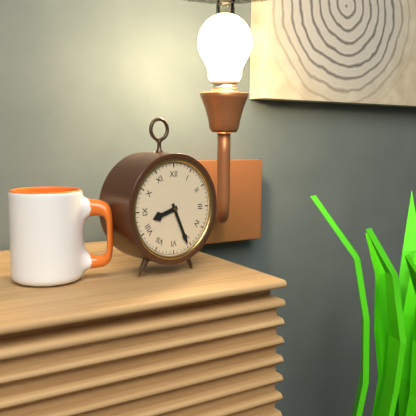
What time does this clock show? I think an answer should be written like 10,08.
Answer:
8,26
